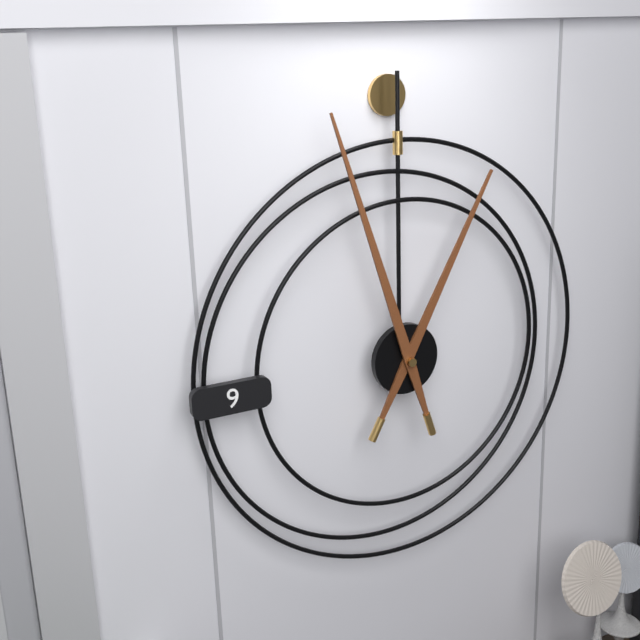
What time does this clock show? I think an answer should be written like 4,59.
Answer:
12,57
